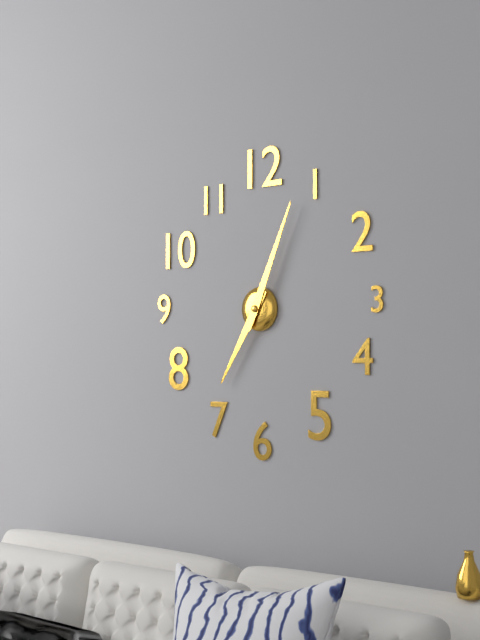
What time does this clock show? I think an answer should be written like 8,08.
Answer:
7,04
